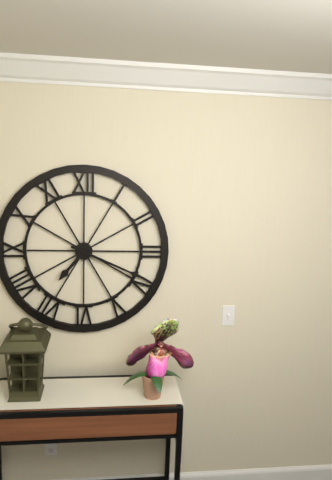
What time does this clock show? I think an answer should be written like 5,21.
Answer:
7,19
